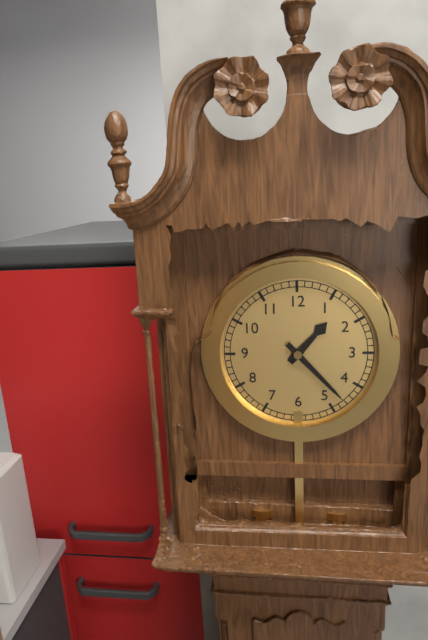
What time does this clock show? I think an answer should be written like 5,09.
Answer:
1,23
